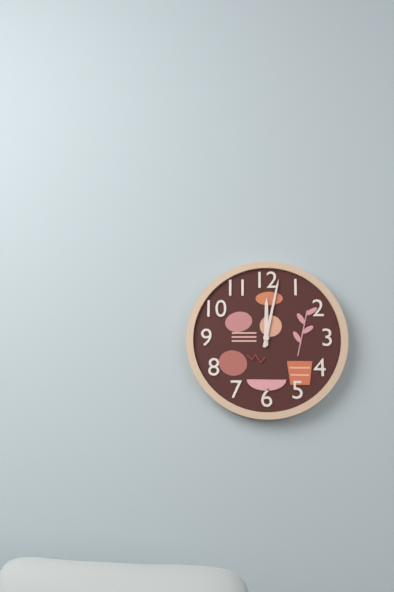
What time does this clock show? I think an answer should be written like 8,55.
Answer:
12,02
